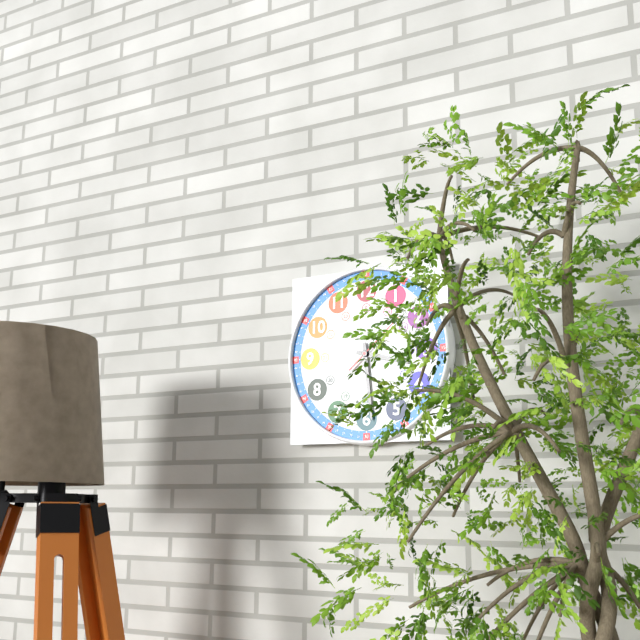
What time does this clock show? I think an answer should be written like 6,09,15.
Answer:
3,29,08
